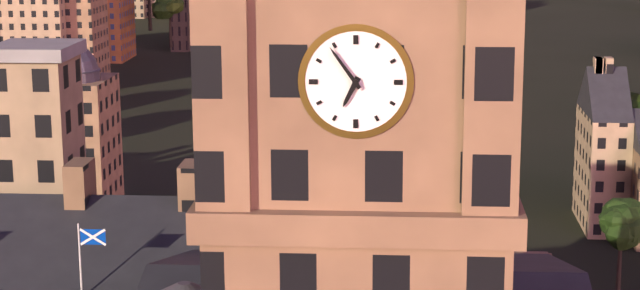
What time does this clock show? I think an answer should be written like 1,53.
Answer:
6,54
